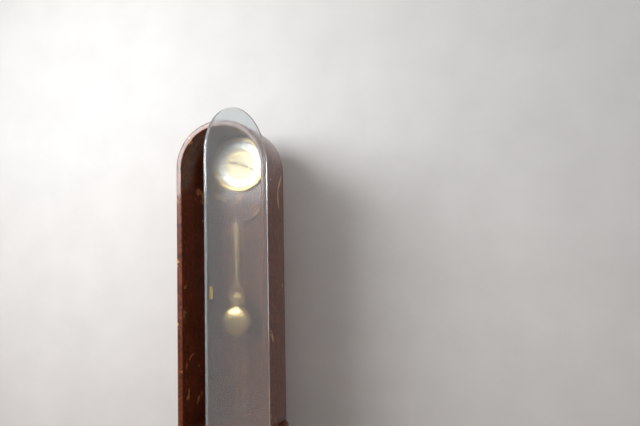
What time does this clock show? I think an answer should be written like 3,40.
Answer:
9,19
